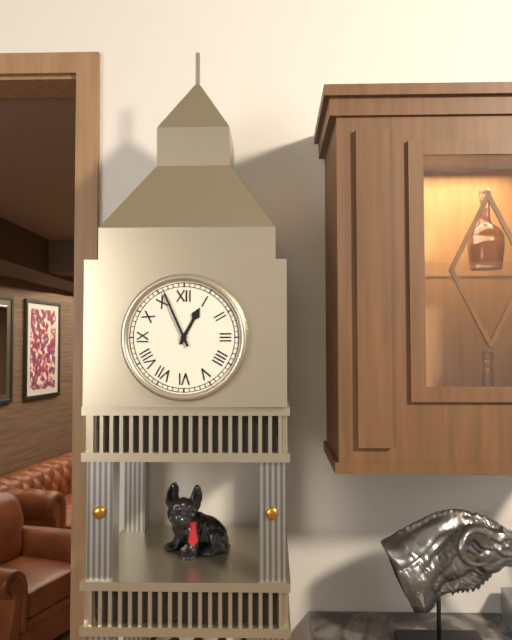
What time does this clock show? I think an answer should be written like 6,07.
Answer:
12,56
